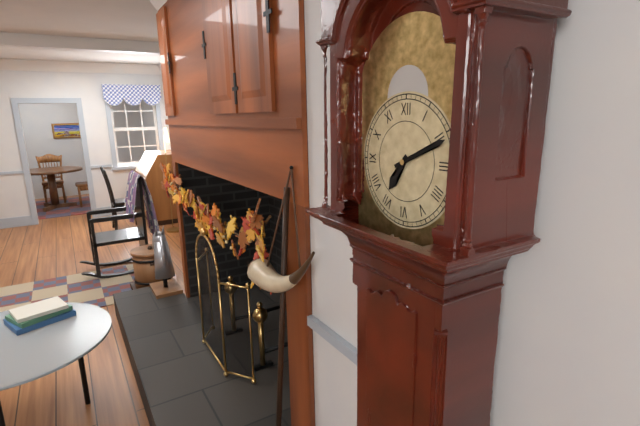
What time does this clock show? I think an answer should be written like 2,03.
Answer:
7,11
